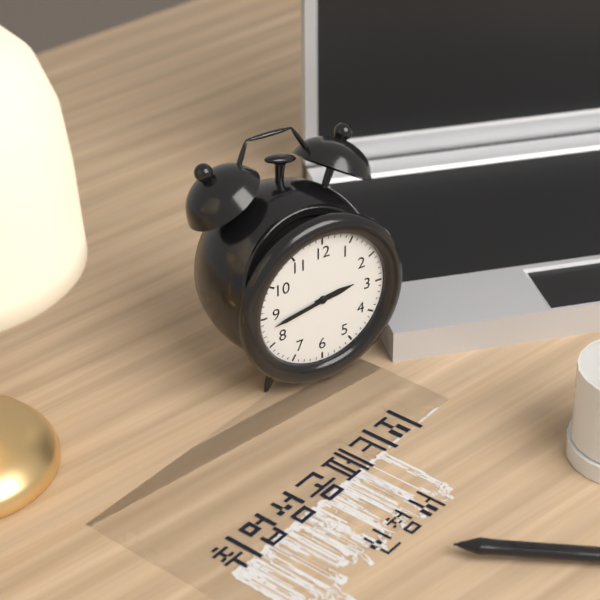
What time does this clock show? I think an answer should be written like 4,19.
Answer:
2,43
